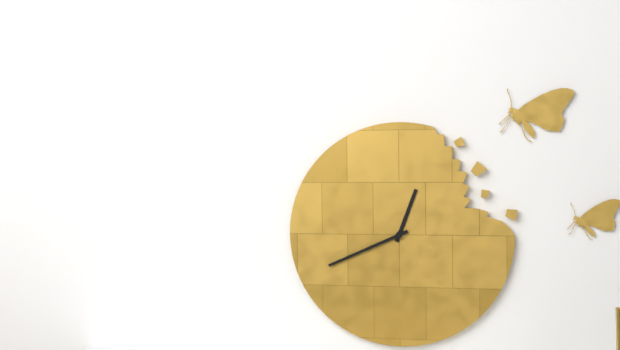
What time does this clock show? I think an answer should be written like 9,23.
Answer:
12,41
